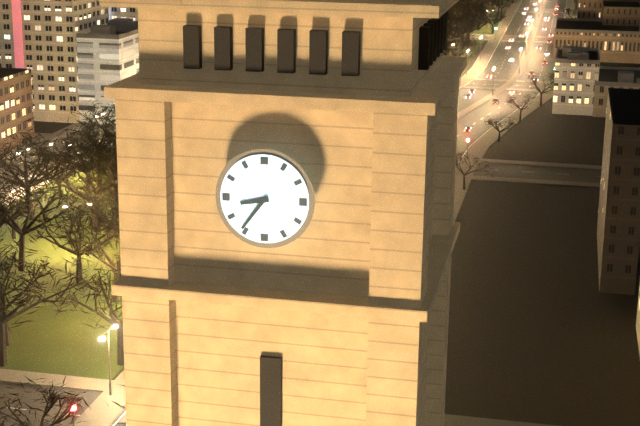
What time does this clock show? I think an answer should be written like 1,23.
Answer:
8,36
